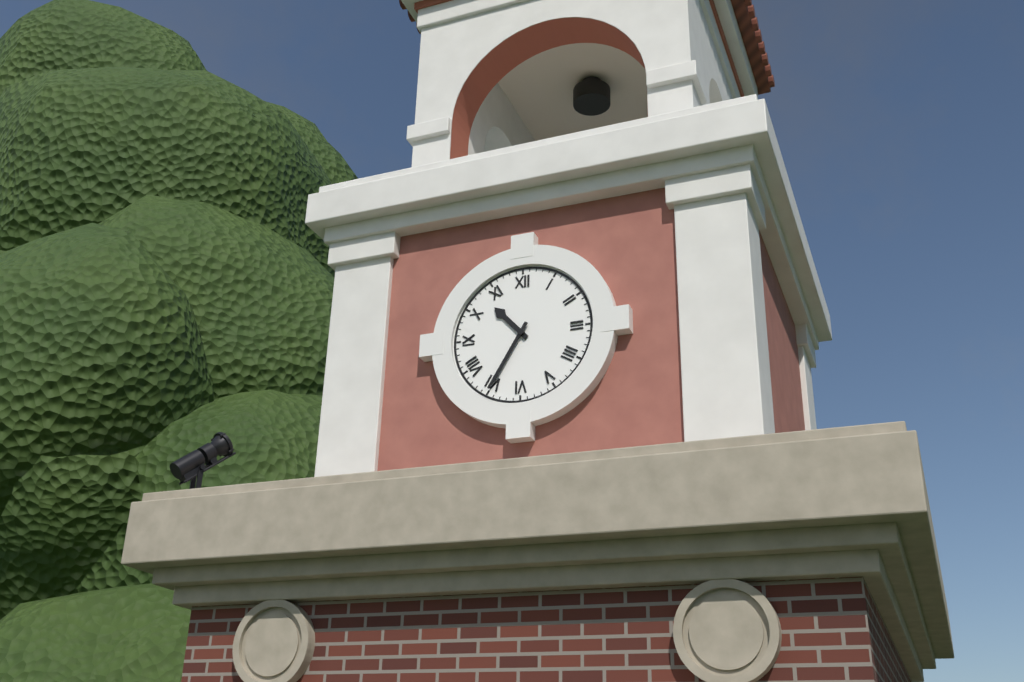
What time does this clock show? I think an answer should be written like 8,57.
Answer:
10,35
